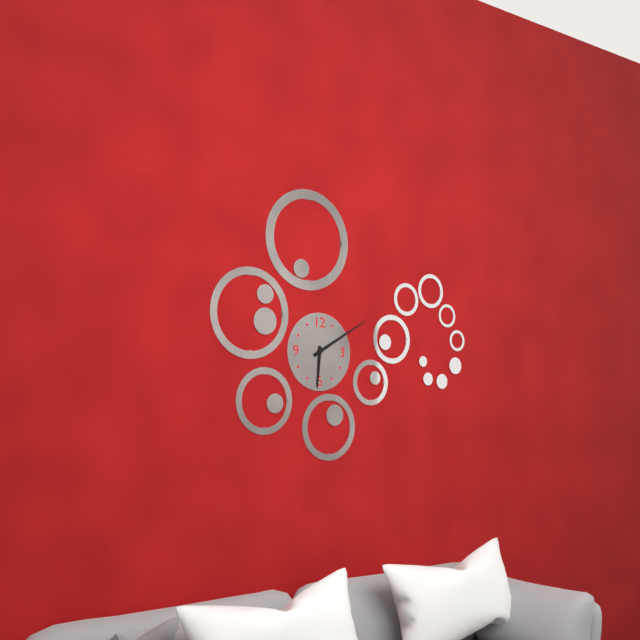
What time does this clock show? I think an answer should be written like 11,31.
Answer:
6,10
